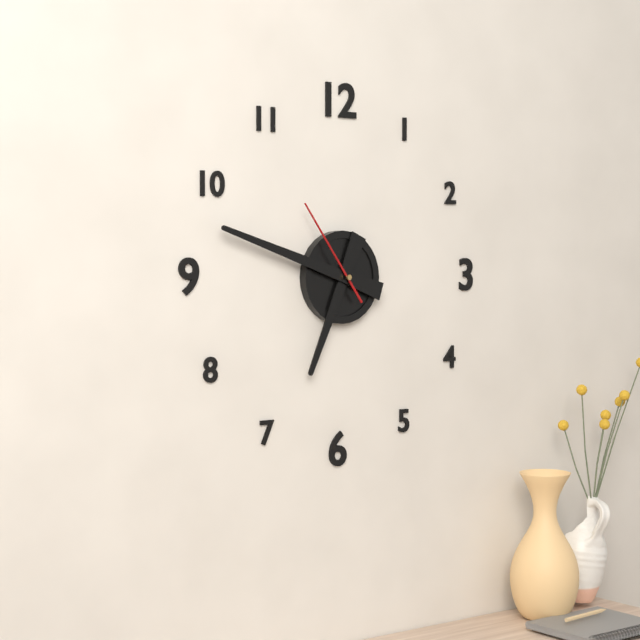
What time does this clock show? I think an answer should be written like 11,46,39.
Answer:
6,48,54
